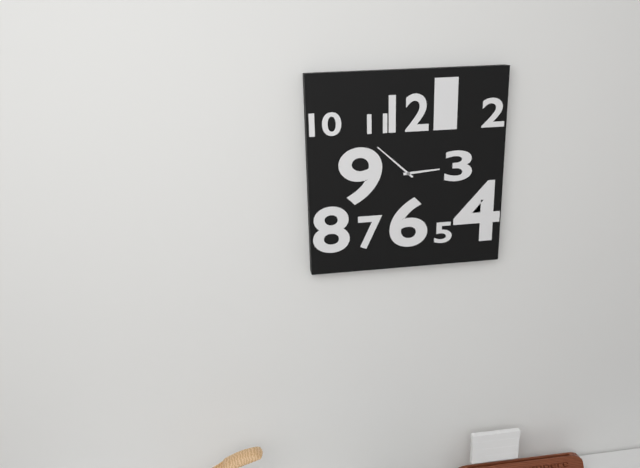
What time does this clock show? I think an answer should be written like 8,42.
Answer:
2,52
